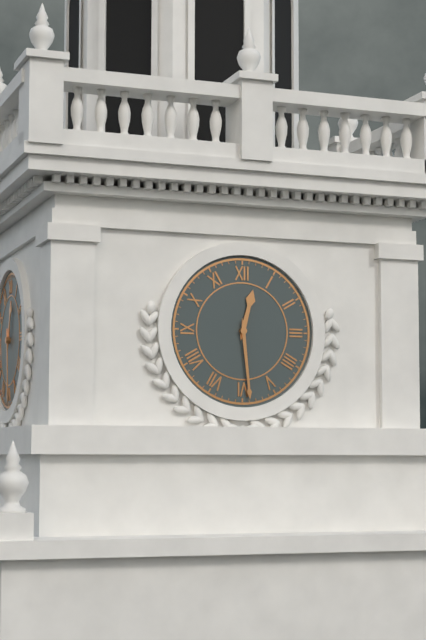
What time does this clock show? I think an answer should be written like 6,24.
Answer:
12,29
